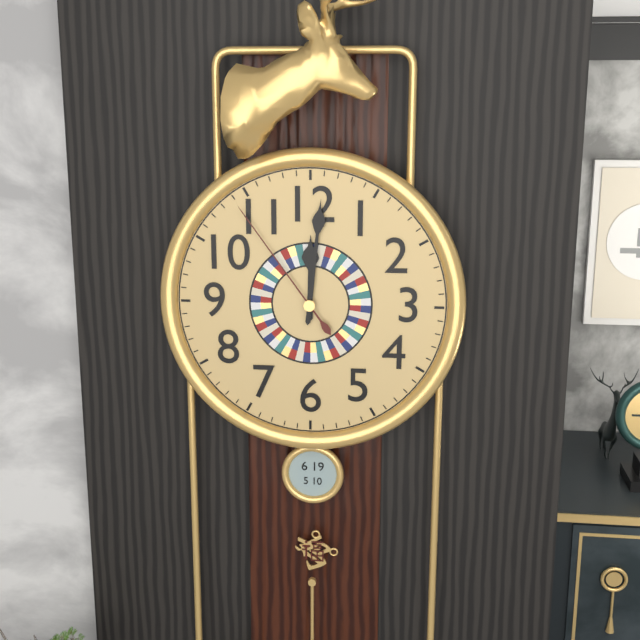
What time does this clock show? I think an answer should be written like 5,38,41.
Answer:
12,01,54
